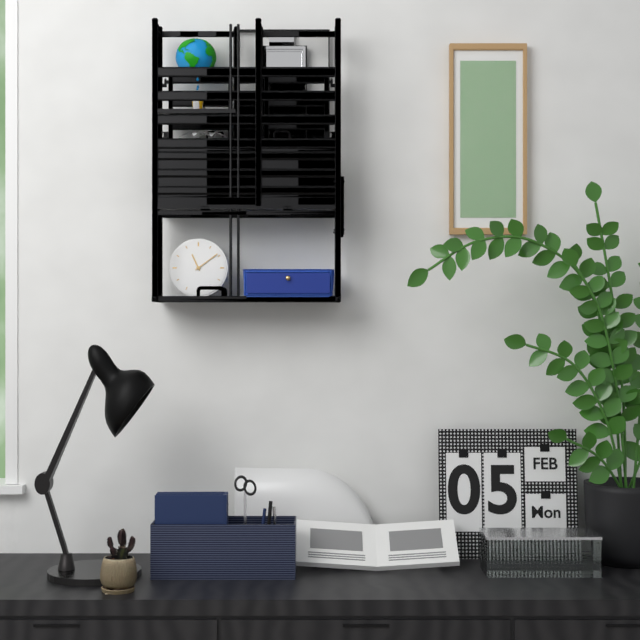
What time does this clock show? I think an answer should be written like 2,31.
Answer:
11,09
